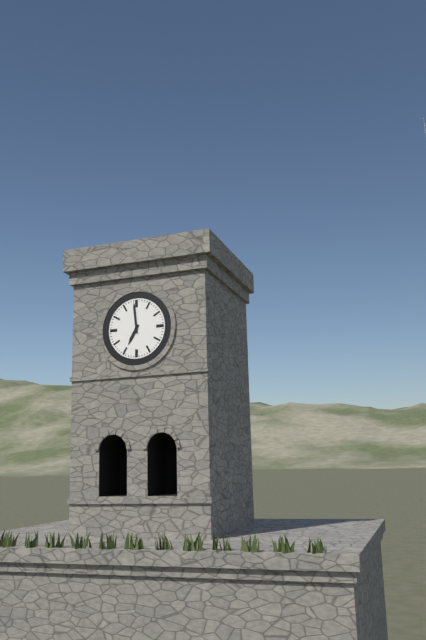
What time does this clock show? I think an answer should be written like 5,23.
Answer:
6,59
